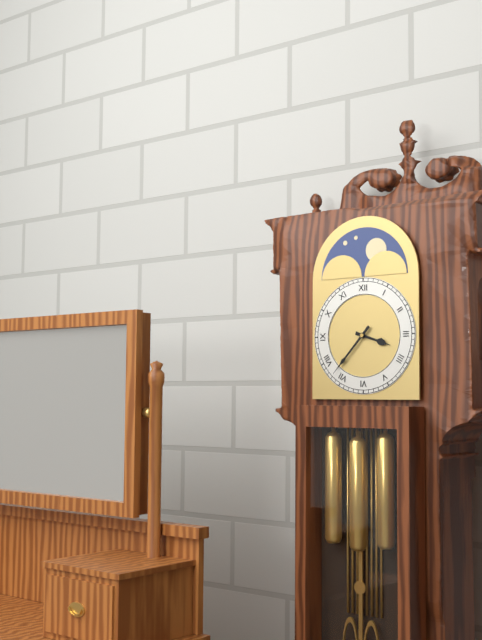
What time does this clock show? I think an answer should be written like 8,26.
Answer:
3,37
